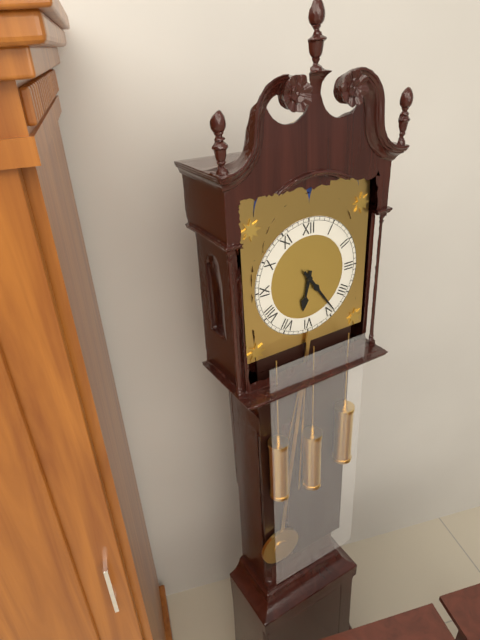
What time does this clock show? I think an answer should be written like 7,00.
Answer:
6,24
